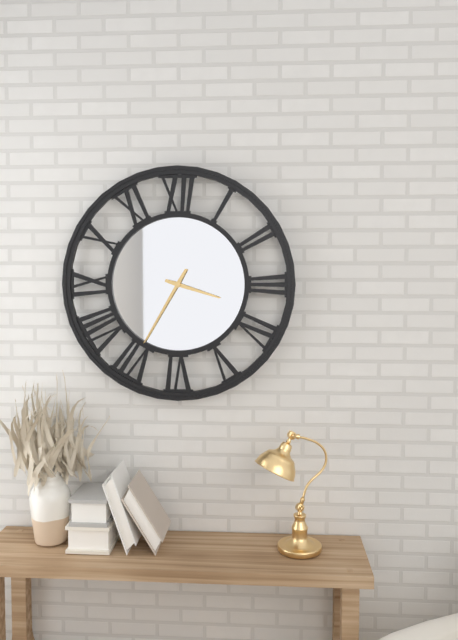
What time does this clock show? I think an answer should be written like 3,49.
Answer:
3,35
